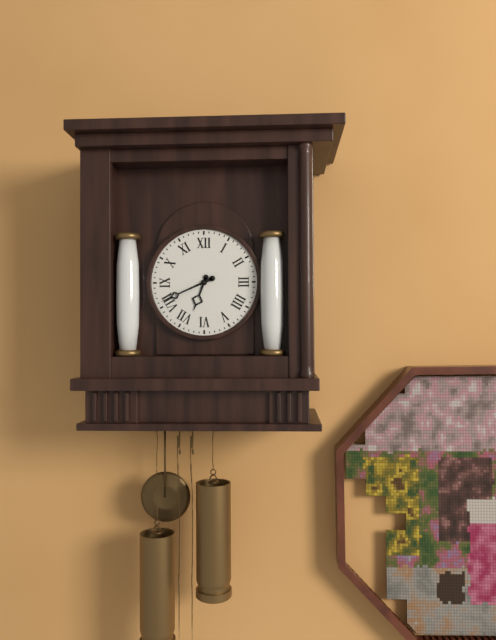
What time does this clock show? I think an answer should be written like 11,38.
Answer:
6,41
